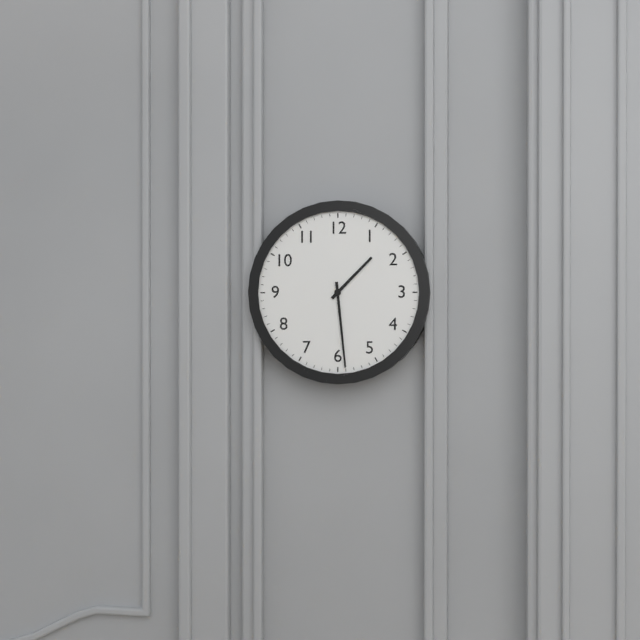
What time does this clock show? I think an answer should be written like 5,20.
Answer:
1,29
